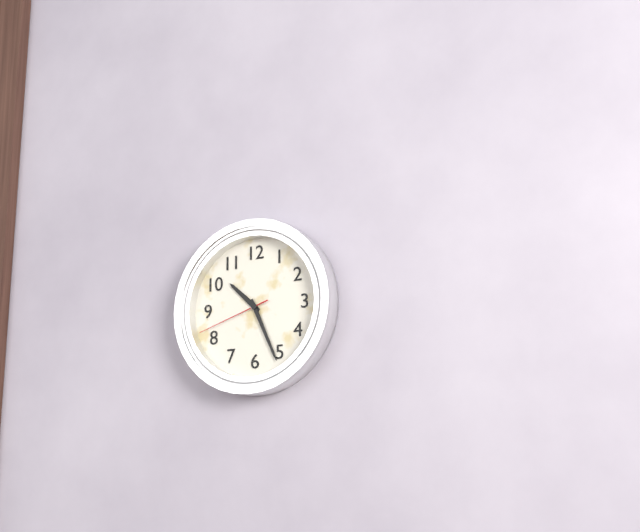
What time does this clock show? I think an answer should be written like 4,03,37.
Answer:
10,26,42
